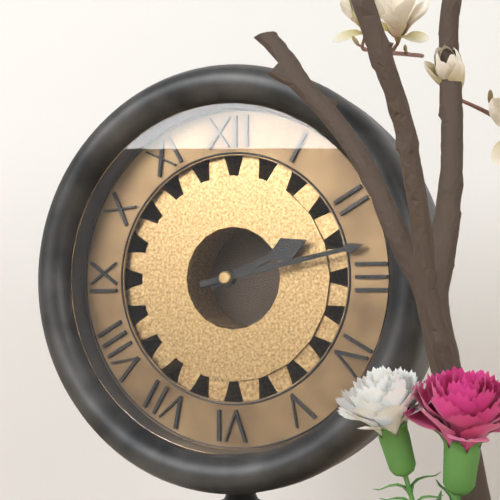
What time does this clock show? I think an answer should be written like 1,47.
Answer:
2,13
